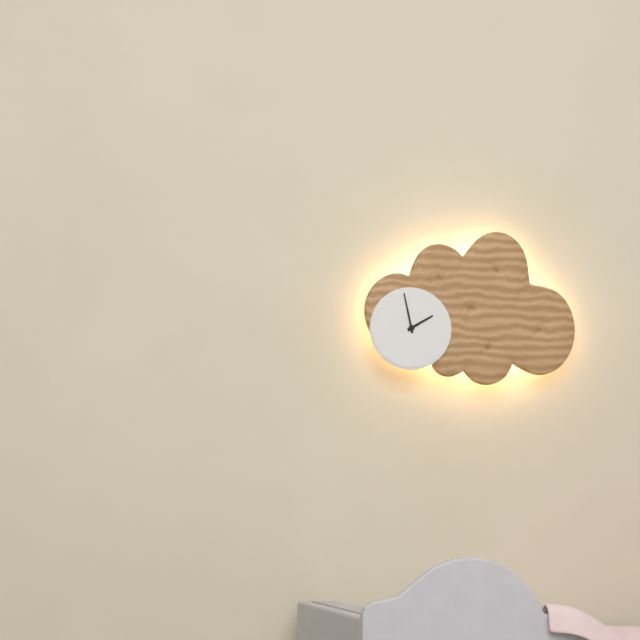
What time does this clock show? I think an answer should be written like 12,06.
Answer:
1,58
